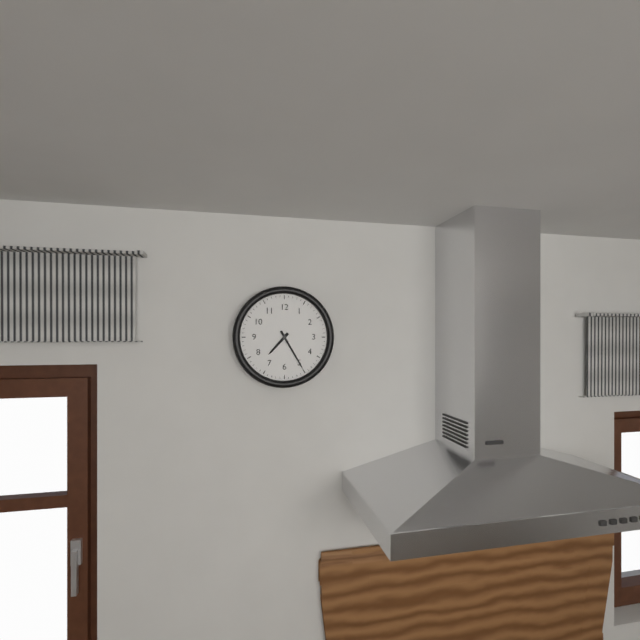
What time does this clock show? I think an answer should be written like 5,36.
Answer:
7,25
